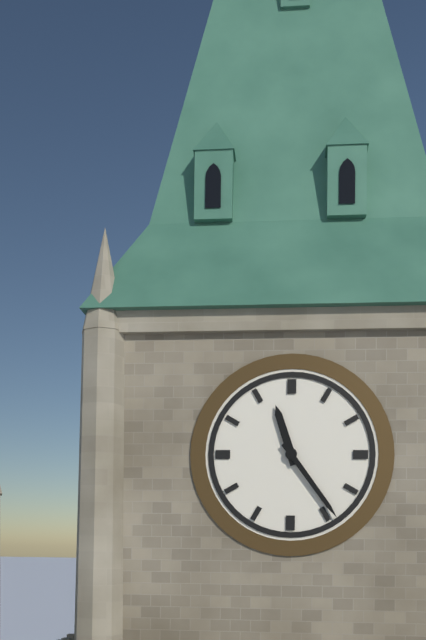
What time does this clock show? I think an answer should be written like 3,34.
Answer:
11,24
